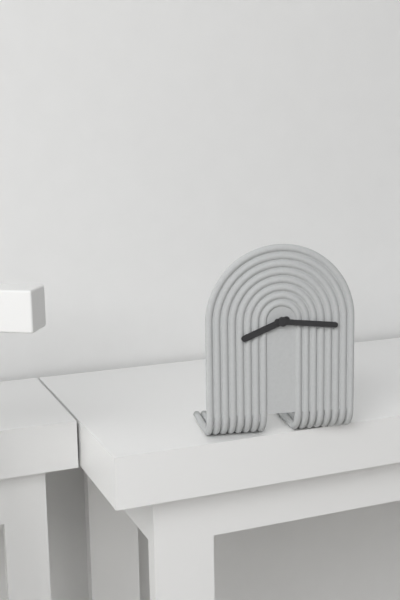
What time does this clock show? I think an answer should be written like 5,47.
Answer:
8,16
